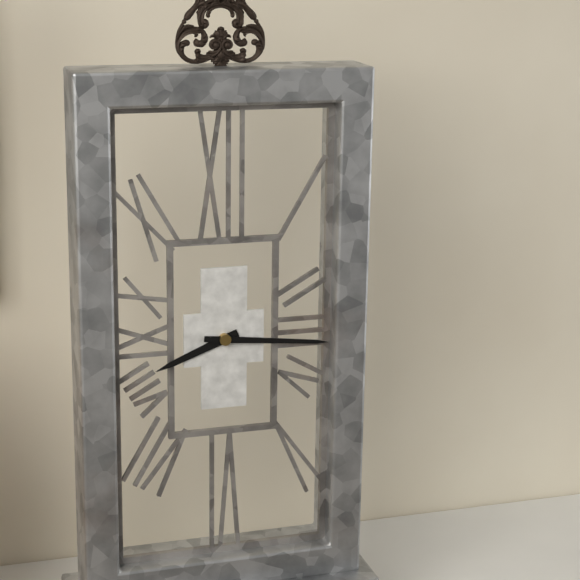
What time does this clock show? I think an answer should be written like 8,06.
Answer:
8,16
